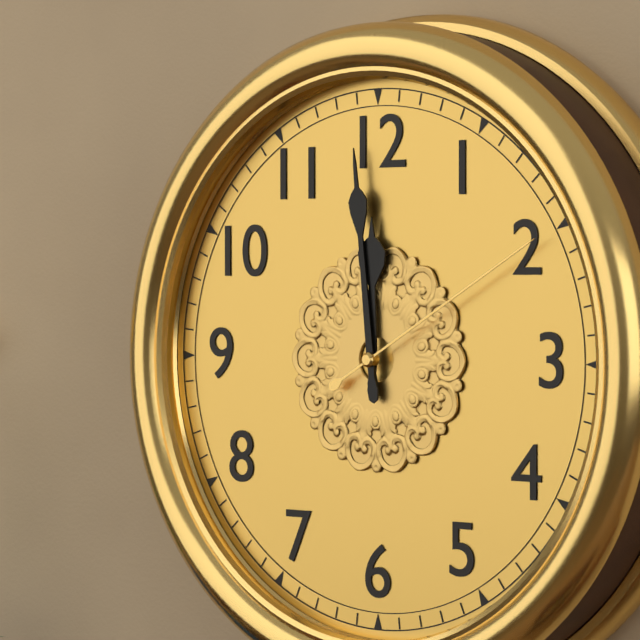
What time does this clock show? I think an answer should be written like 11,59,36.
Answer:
11,59,10
